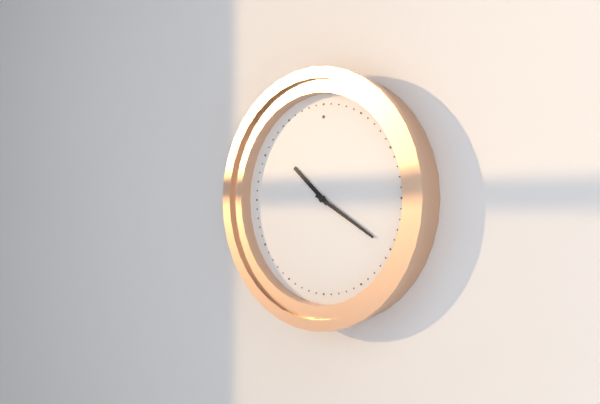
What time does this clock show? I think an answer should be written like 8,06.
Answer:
10,20
